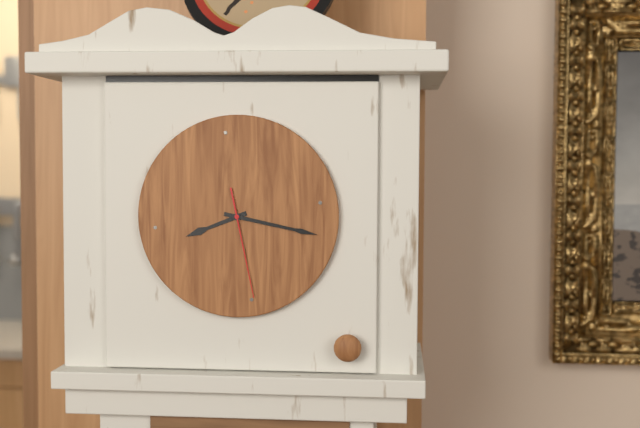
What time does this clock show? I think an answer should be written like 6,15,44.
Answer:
8,17,28
